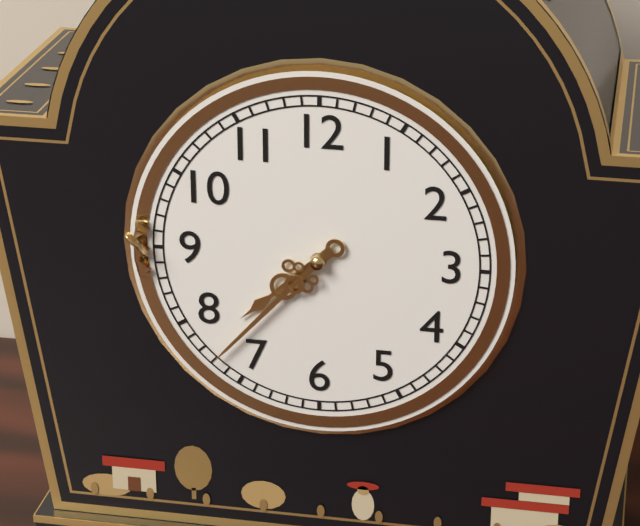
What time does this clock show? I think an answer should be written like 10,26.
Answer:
7,37
